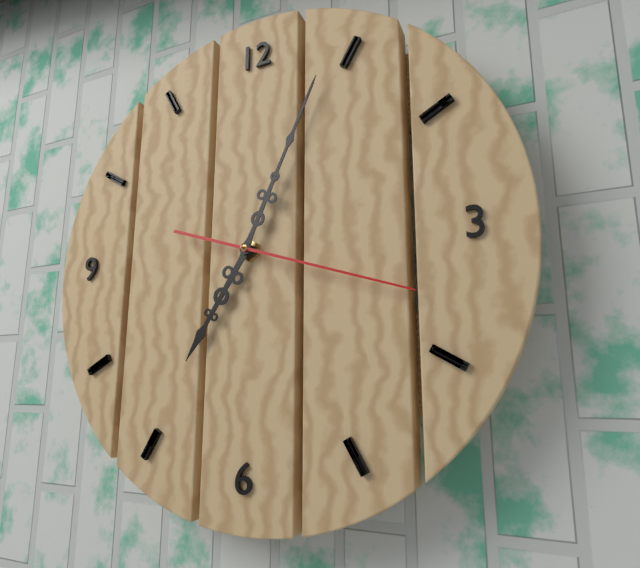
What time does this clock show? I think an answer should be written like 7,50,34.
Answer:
7,04,18
